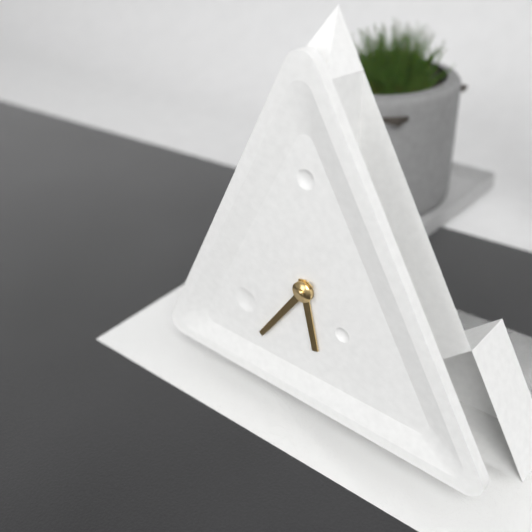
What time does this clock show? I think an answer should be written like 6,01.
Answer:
5,36
